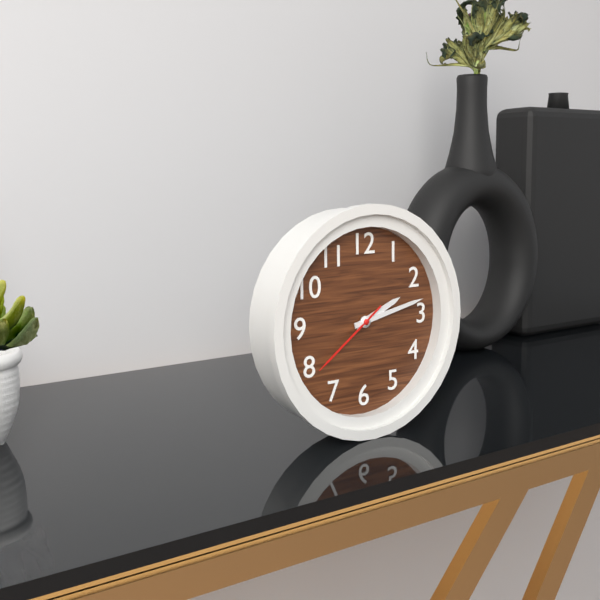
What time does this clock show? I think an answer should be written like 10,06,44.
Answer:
2,13,39
